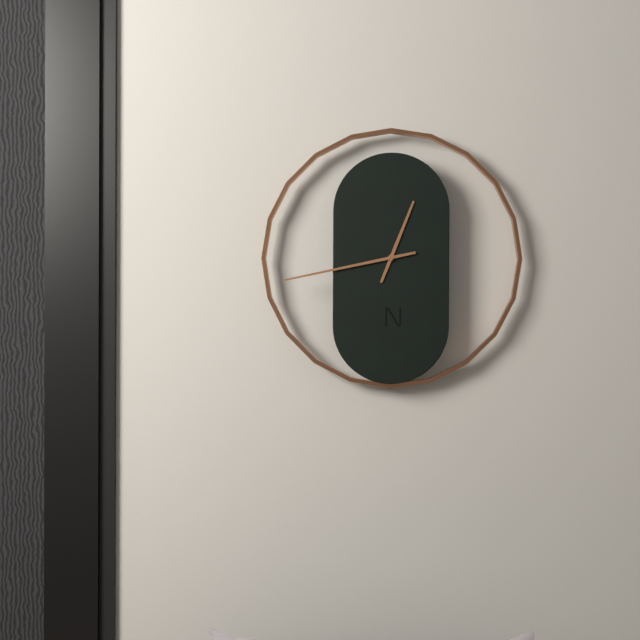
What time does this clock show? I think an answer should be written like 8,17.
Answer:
12,43
